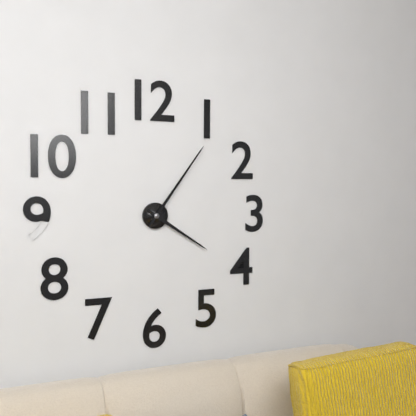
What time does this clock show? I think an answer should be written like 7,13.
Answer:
4,06
